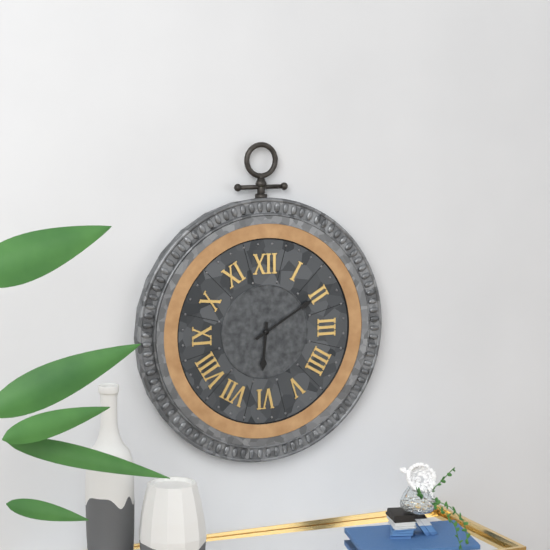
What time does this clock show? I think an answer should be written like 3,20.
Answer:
6,10
